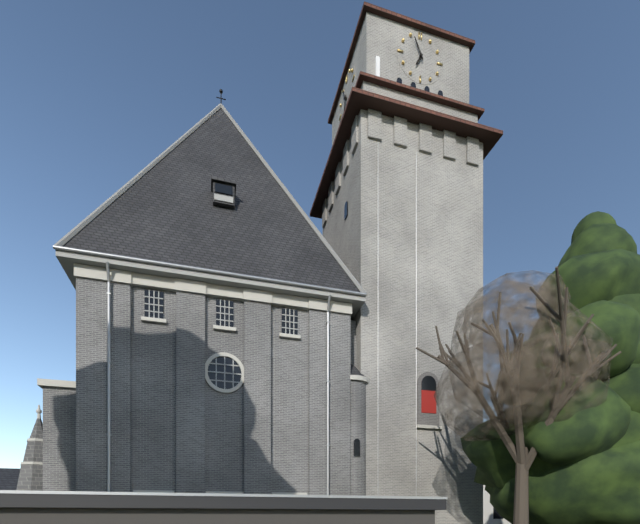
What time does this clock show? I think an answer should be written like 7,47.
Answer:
6,56
